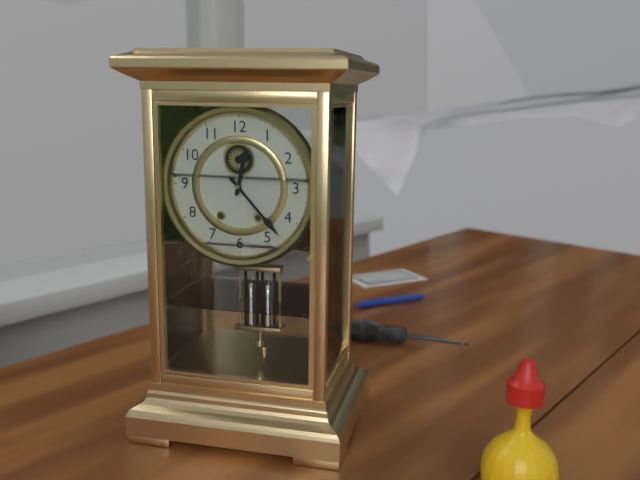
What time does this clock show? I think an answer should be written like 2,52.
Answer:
12,23
